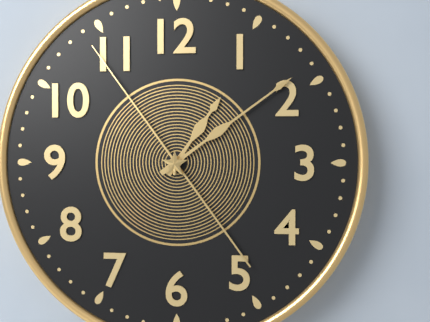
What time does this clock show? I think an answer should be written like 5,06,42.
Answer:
1,09,54
